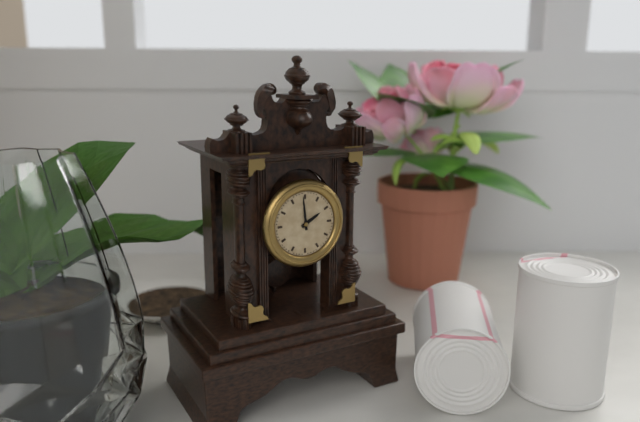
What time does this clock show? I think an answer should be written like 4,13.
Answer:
1,59
